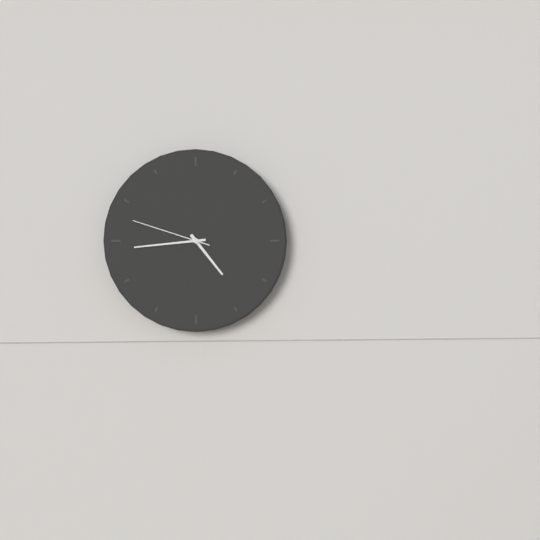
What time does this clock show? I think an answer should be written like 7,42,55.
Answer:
4,44,48
